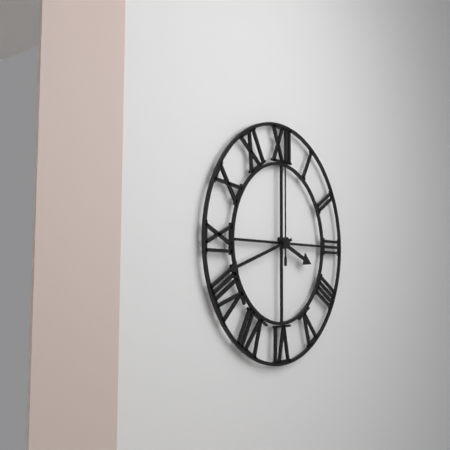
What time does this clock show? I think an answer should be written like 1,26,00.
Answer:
3,42,00
